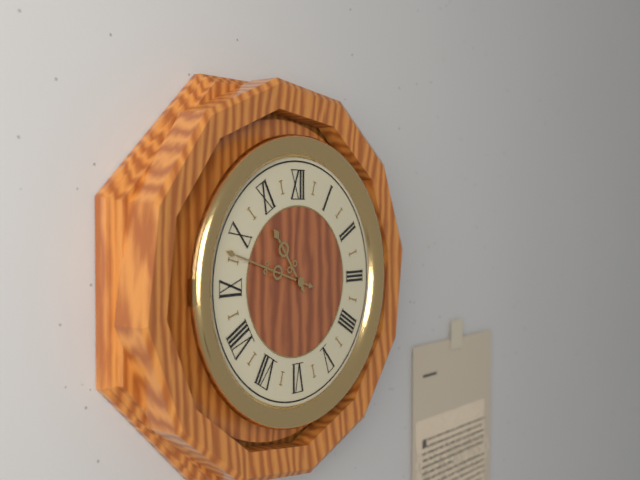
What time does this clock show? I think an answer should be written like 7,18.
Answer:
10,48
